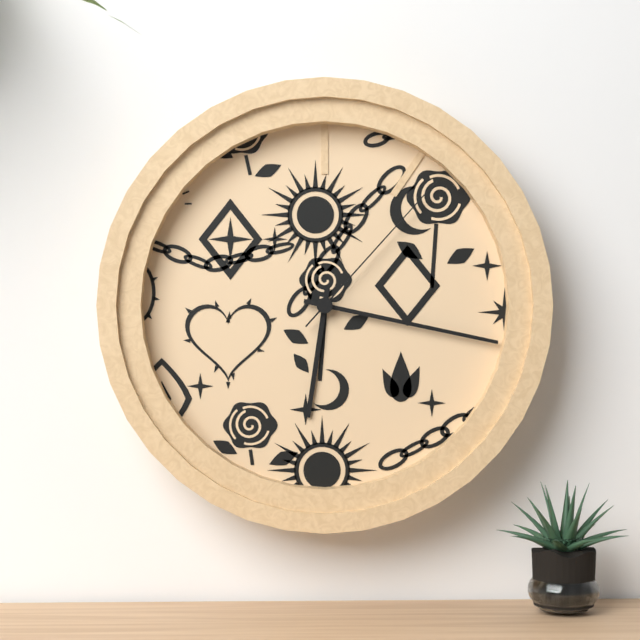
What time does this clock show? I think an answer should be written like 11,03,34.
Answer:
6,17,07
